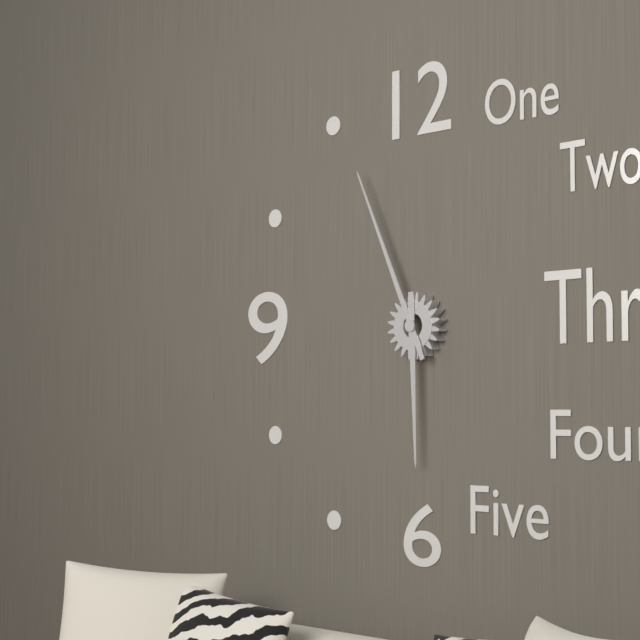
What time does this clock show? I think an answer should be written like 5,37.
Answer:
5,56
